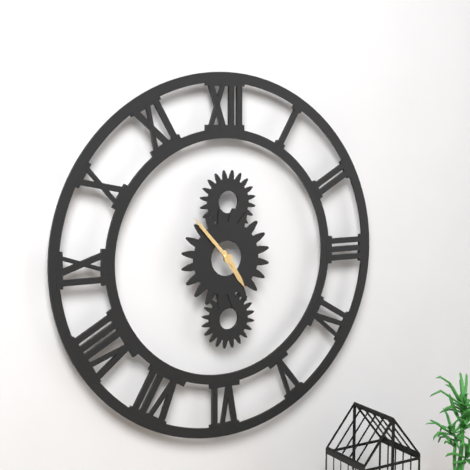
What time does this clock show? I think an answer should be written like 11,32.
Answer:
4,53
